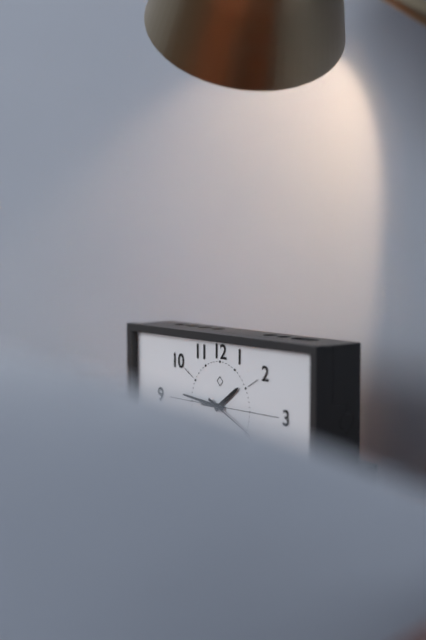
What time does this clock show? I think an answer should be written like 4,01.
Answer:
1,46
